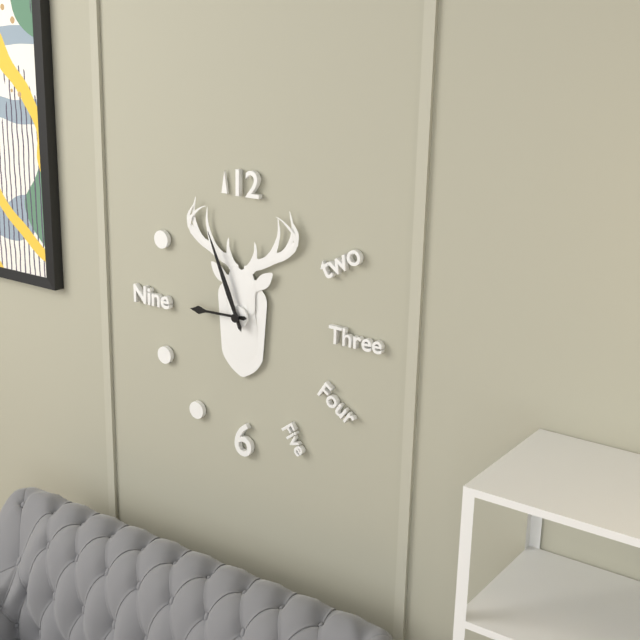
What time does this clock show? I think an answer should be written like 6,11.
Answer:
8,56
